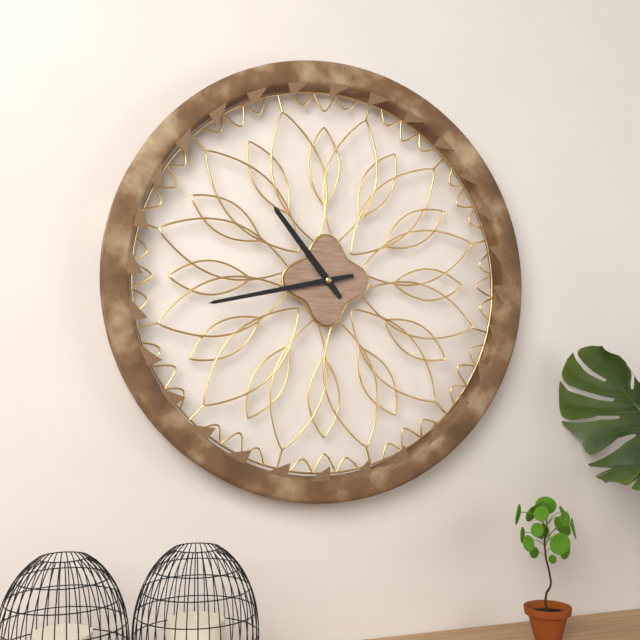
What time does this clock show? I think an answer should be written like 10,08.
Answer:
10,43
